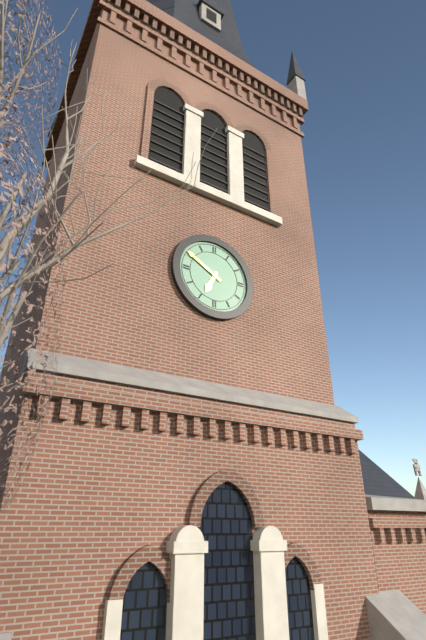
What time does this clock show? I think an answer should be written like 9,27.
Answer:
6,50
